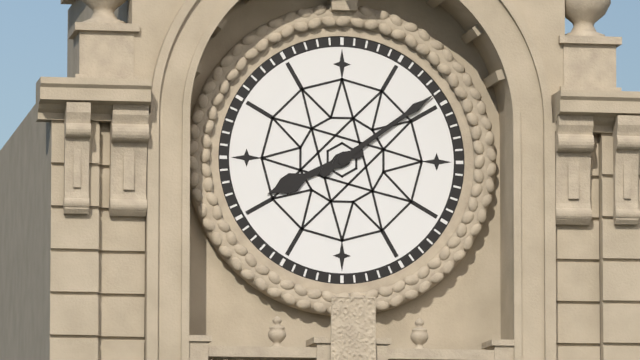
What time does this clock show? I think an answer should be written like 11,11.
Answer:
8,09
